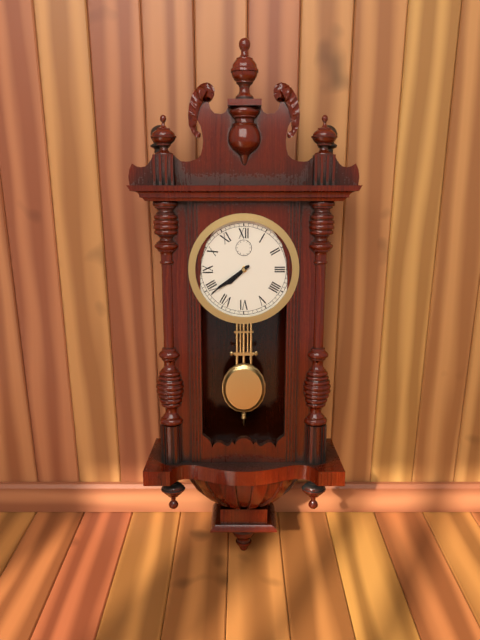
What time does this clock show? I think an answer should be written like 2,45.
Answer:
7,39
